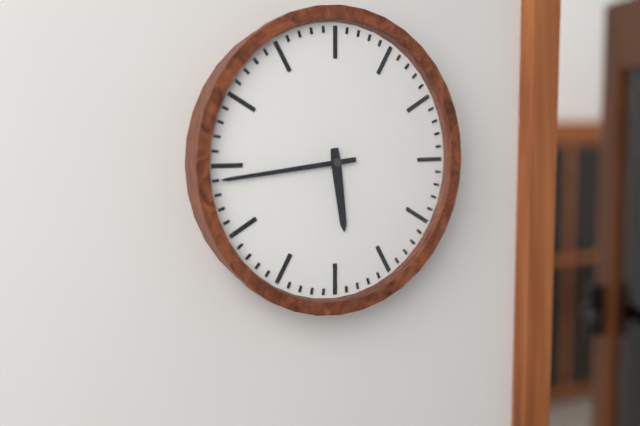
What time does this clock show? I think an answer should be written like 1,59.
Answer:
5,44
